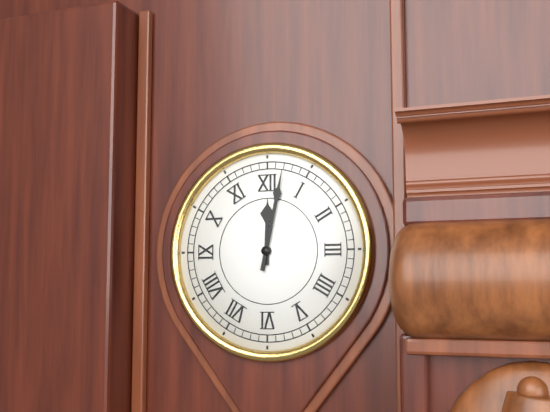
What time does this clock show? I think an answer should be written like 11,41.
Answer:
12,02
